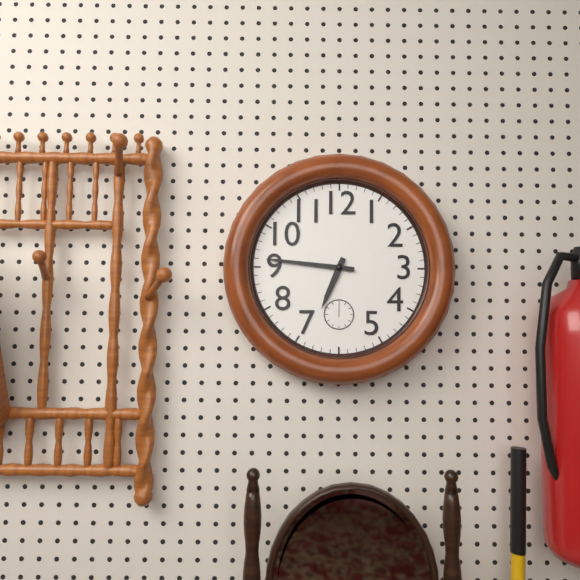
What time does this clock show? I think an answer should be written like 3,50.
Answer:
6,46
